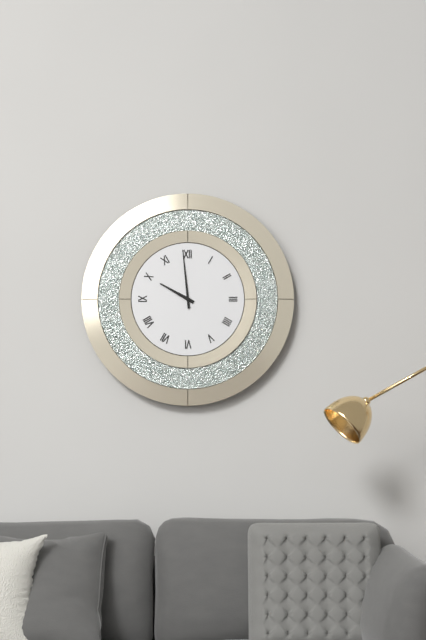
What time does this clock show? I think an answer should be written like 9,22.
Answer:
9,59
